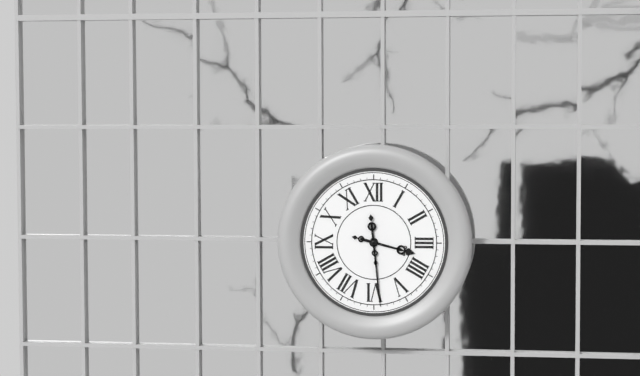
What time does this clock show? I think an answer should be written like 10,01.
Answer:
3,29
